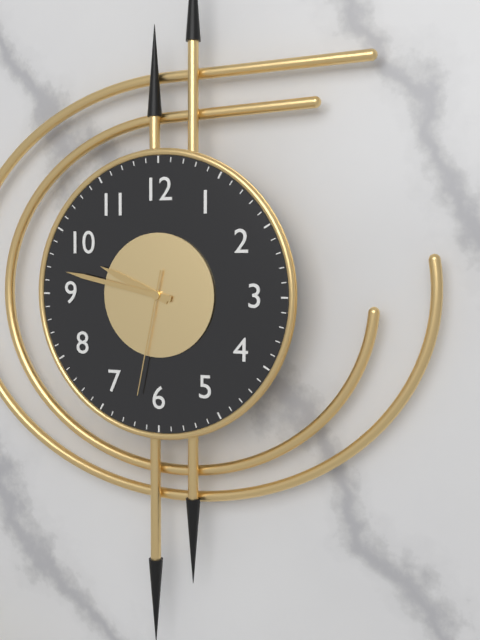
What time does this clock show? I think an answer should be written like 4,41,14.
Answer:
9,47,32
